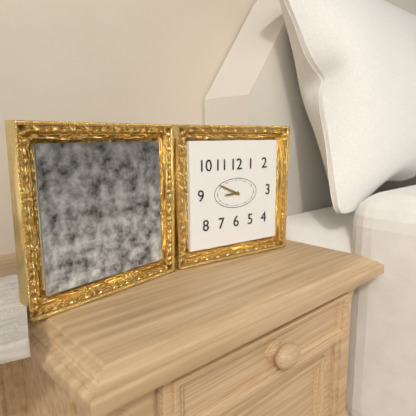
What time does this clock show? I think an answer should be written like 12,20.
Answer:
8,49
